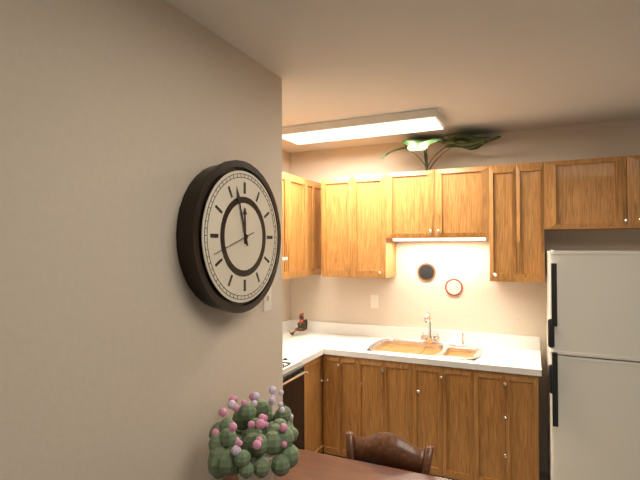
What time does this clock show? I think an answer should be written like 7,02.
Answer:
11,57
